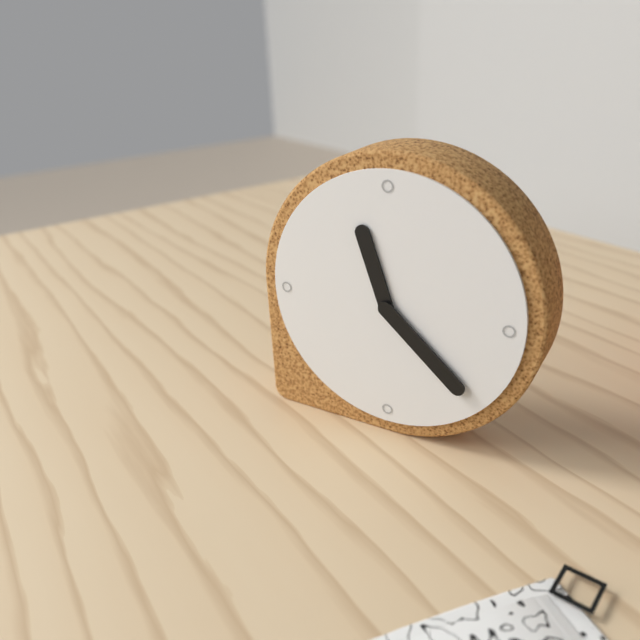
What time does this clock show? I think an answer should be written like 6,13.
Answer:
11,22
